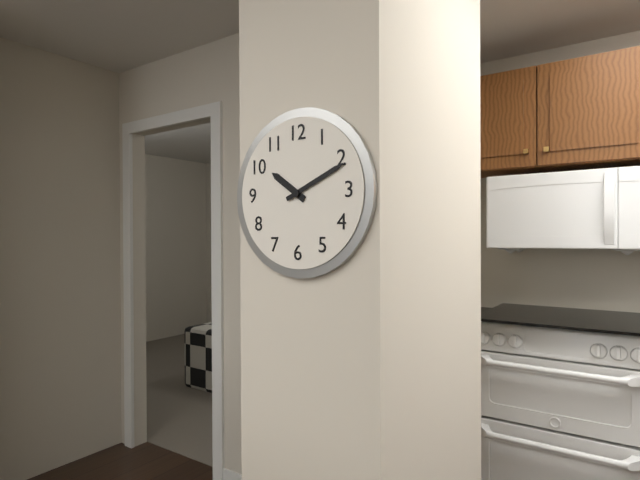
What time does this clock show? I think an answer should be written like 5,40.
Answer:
10,11
